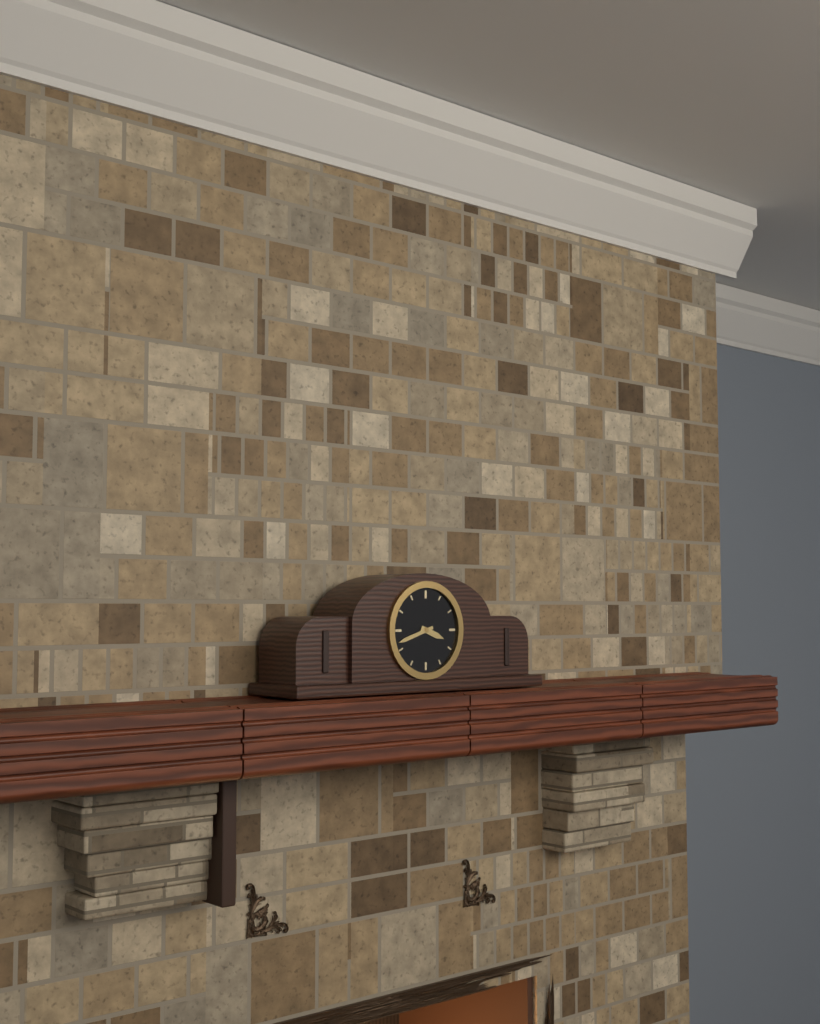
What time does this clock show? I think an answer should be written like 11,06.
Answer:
3,42
